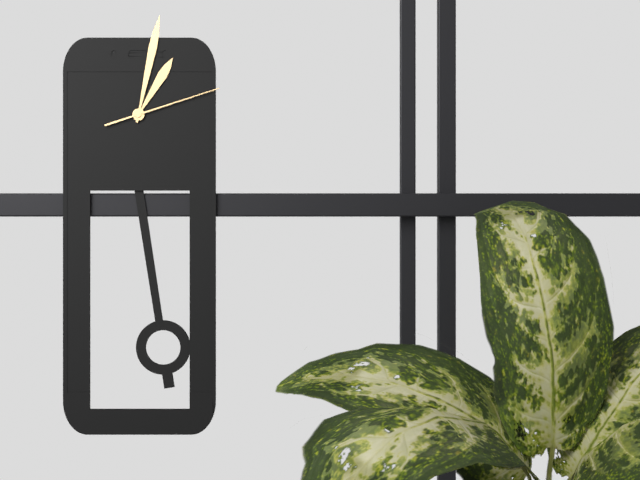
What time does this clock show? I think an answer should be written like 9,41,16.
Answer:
1,02,12
